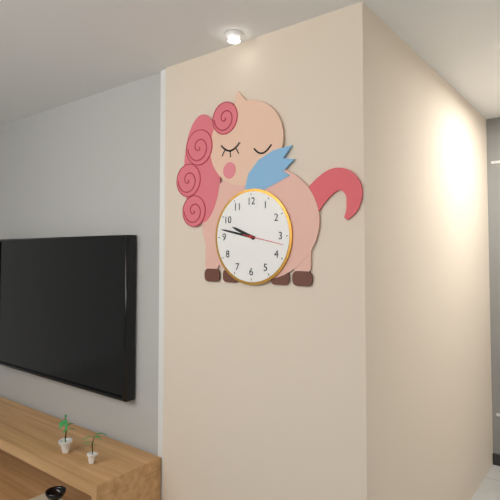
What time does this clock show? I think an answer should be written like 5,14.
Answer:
9,47
